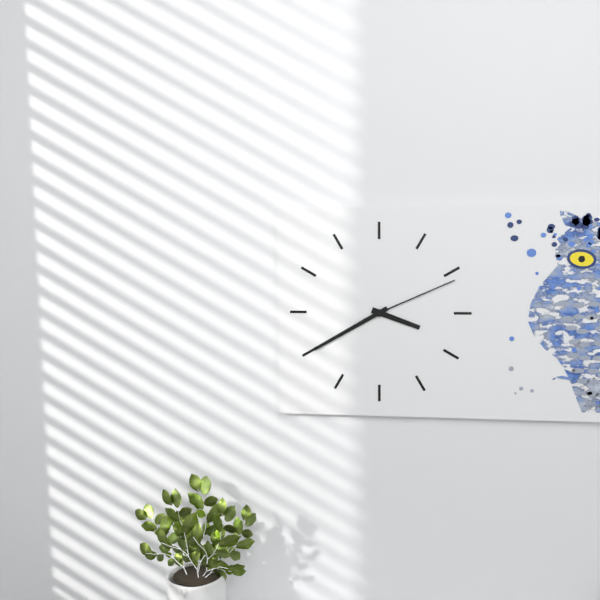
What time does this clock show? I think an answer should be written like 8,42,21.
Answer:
3,40,11
